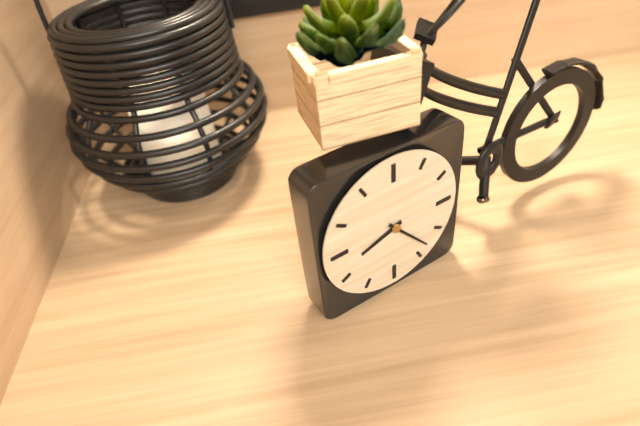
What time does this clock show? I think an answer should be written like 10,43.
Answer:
8,23
